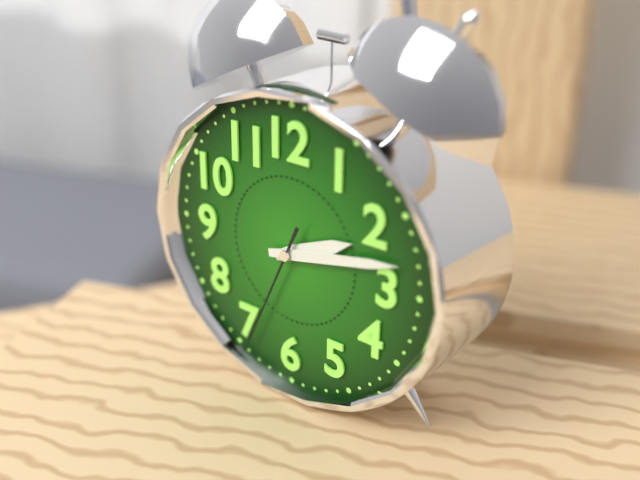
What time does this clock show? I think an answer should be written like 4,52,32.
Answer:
2,13,34
